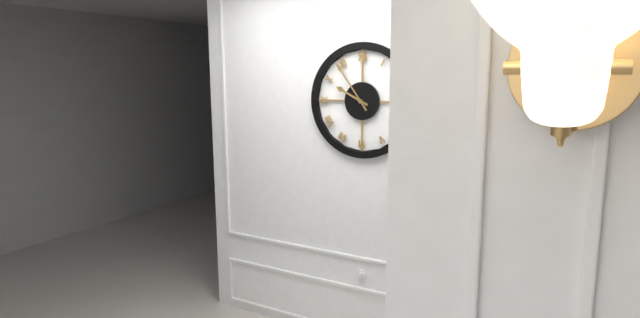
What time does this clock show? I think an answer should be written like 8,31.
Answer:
9,54
